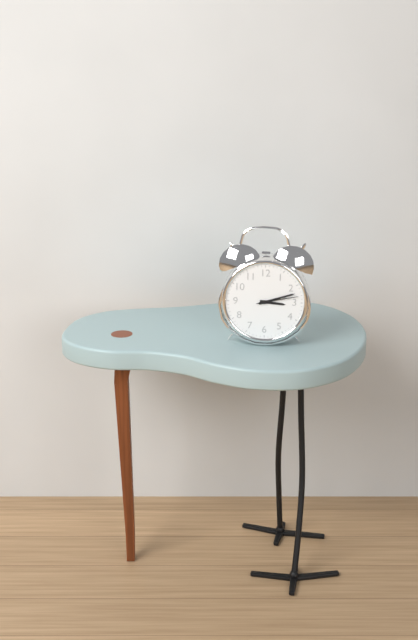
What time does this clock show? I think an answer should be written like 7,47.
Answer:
3,12
